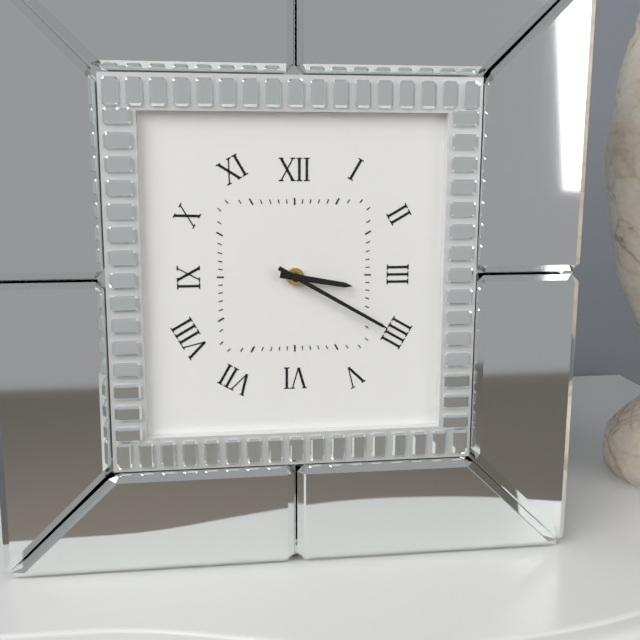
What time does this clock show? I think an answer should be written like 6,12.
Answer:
3,20
